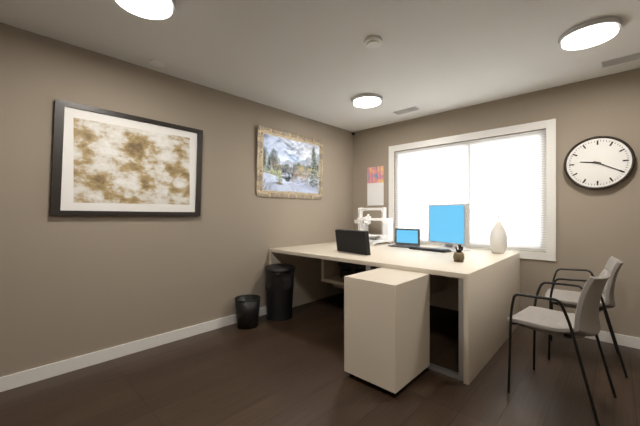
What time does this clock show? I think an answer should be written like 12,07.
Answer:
9,20
